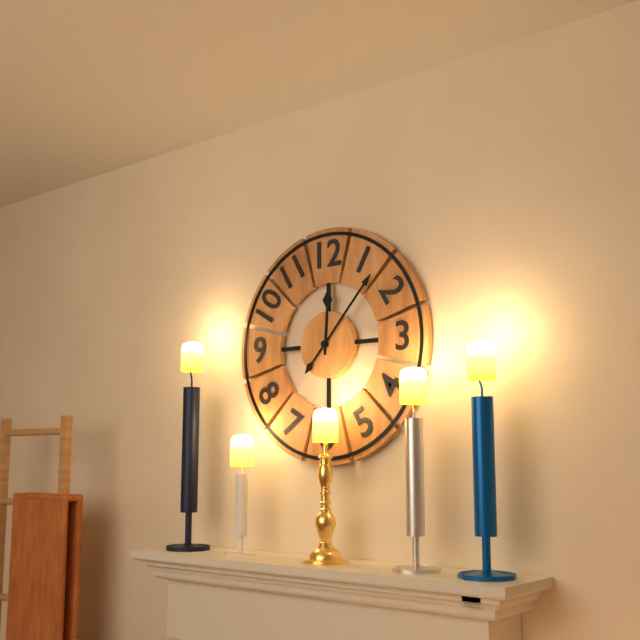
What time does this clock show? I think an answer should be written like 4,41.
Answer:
12,07
